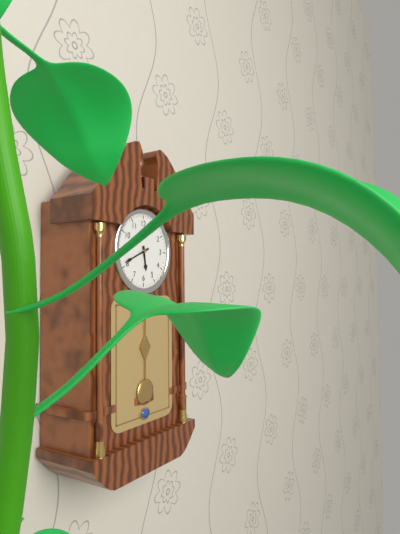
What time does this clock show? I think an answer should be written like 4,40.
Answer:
5,41
